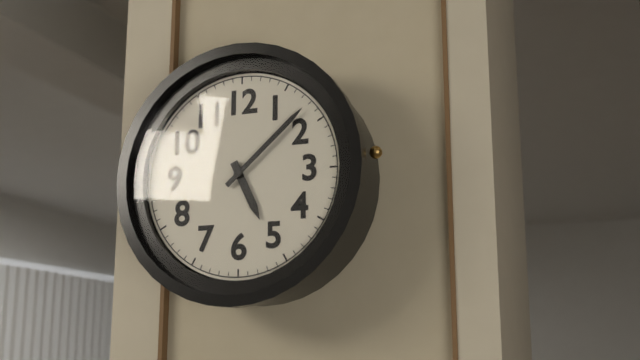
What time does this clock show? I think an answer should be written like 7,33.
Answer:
5,08
